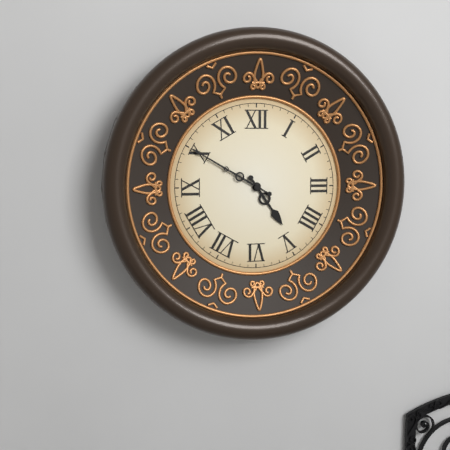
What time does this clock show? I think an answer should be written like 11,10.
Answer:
4,50
